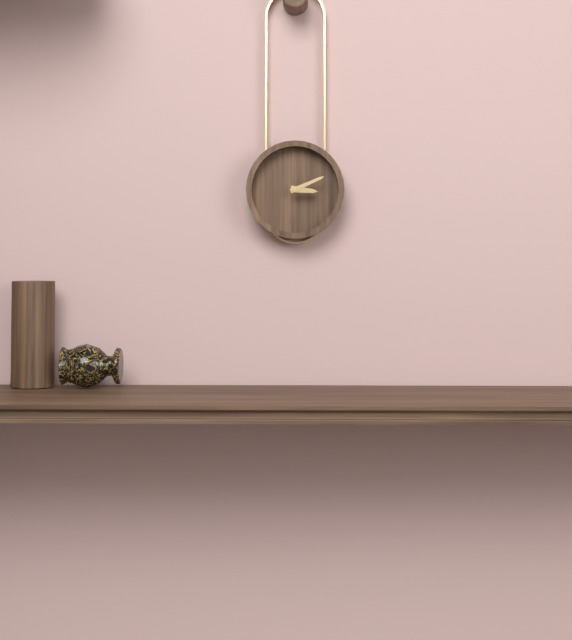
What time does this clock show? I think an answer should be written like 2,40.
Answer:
3,11
